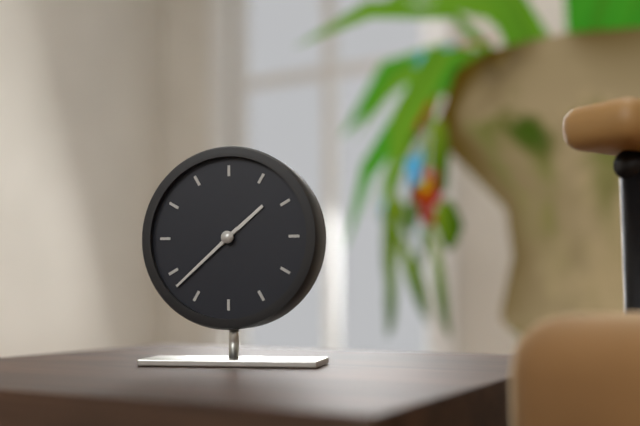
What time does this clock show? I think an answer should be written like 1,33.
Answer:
1,38
